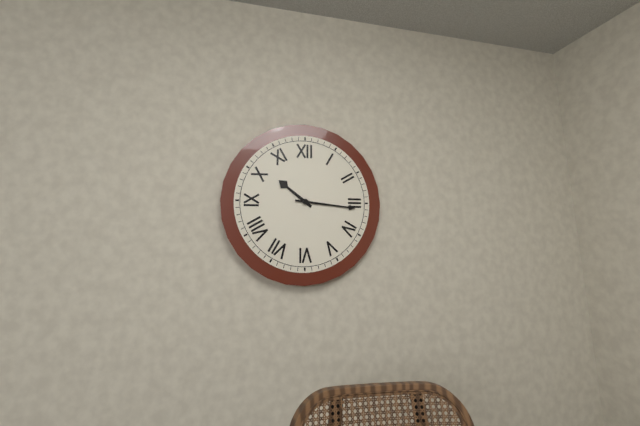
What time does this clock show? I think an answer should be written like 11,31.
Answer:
10,16
